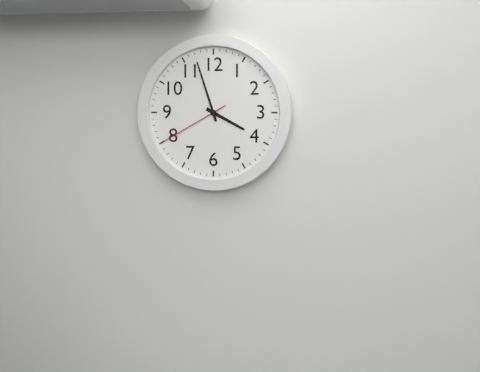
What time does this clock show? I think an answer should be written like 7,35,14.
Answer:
3,57,40
